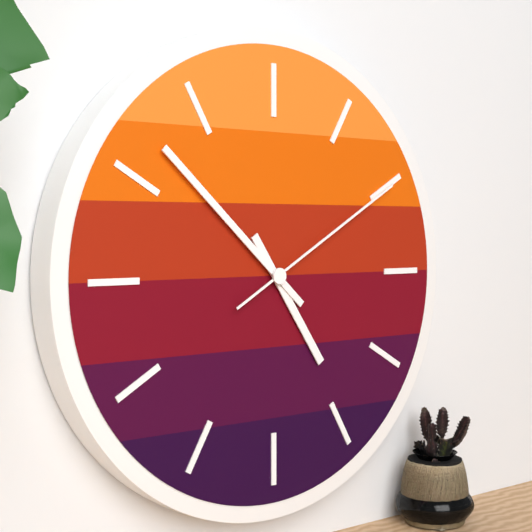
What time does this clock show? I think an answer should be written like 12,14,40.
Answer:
4,52,10
